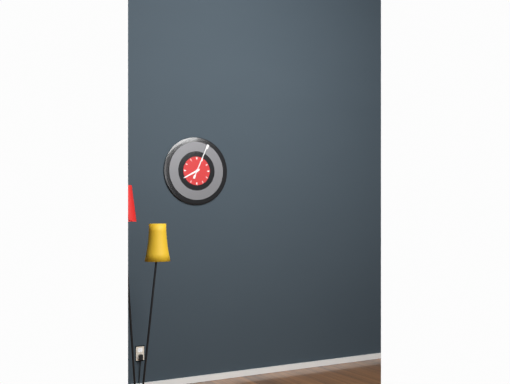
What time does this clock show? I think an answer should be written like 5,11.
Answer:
8,04
